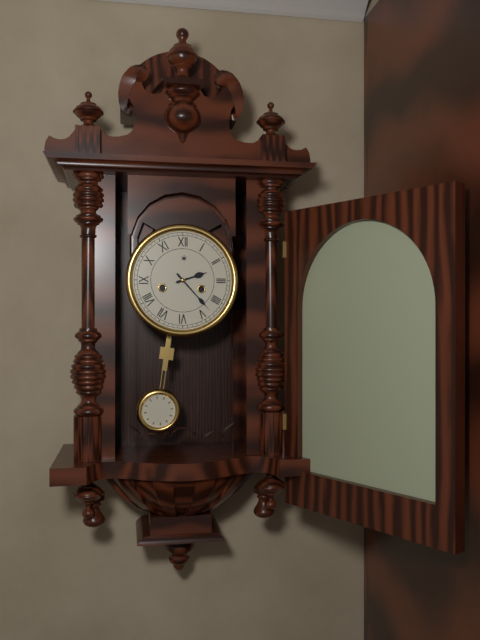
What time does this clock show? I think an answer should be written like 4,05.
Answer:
2,23
